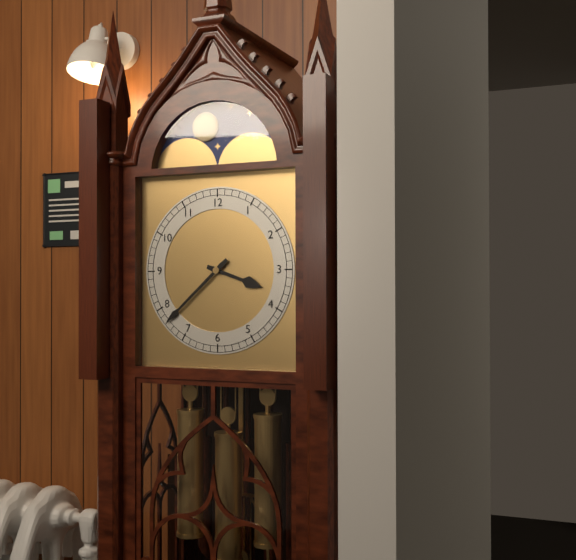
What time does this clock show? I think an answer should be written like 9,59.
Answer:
3,38
